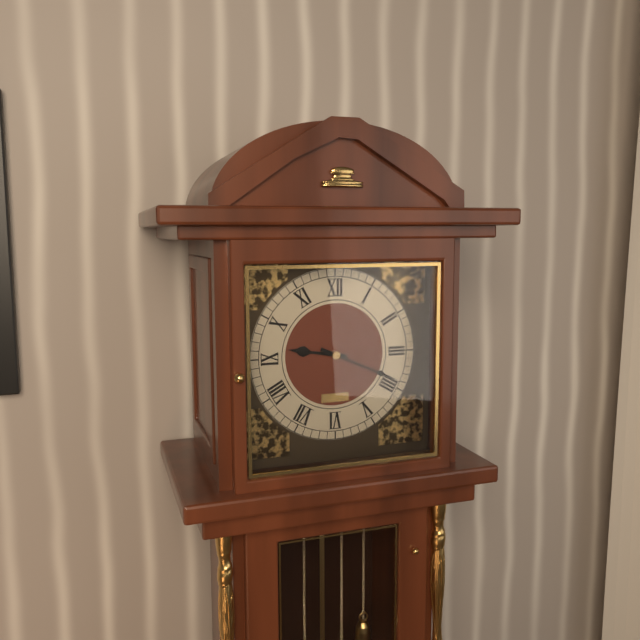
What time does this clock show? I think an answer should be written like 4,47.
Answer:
9,19
